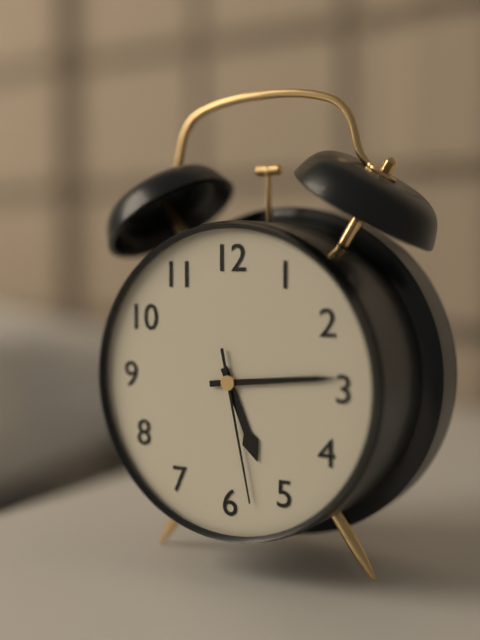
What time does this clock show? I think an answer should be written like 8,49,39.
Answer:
5,14,28
